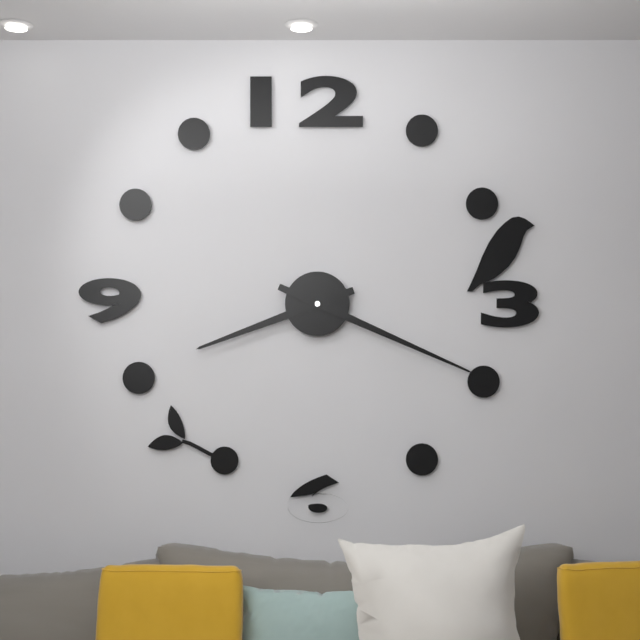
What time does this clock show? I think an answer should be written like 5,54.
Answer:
8,19
